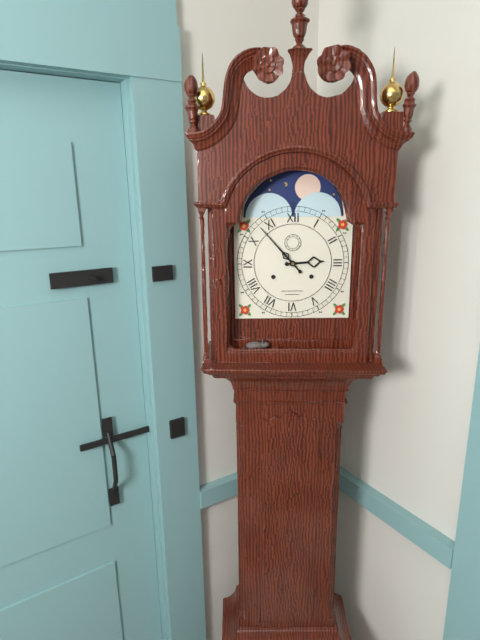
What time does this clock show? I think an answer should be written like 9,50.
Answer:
2,53
